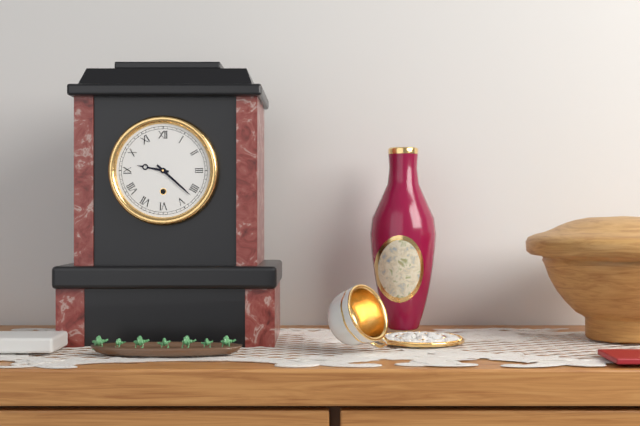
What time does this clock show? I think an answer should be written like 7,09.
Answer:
9,22
